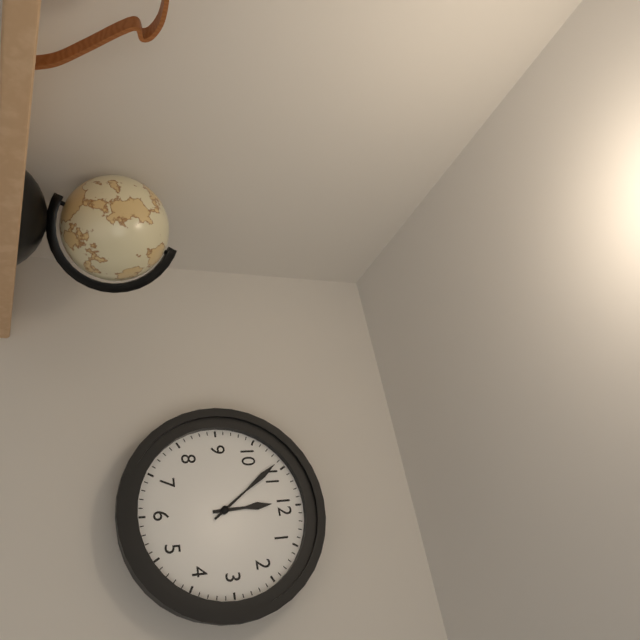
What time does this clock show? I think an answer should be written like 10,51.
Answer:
11,54
